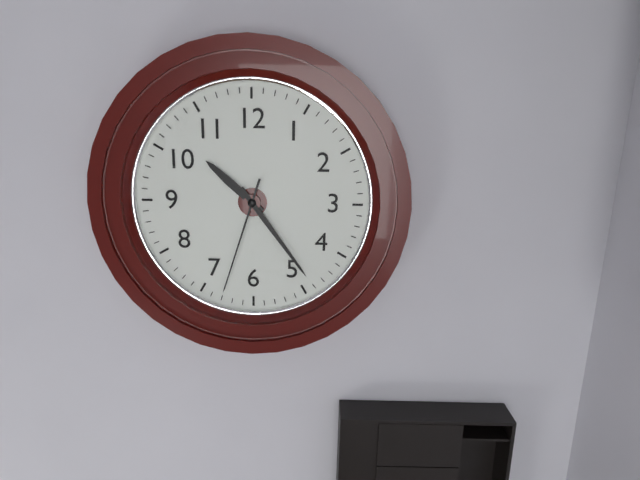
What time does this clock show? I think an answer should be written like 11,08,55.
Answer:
10,24,33
